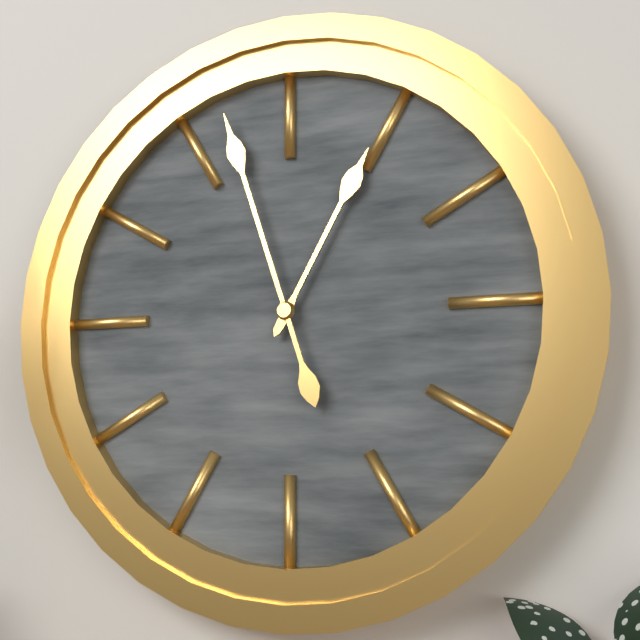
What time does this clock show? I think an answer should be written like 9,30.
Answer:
12,57
